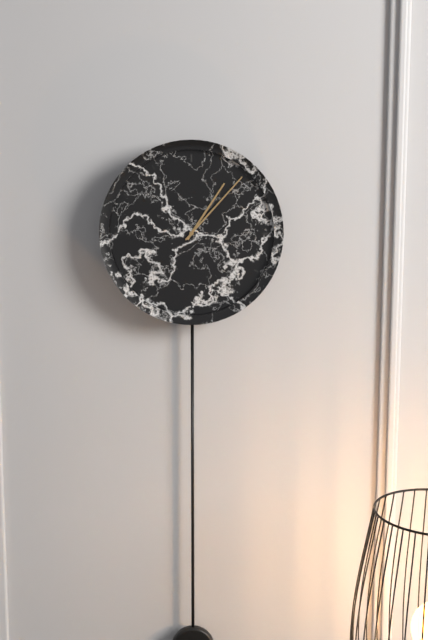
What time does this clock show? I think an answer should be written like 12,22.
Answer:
1,07
